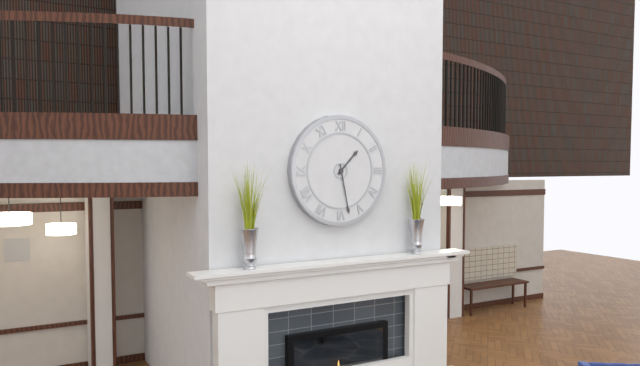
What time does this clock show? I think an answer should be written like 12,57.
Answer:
1,28
